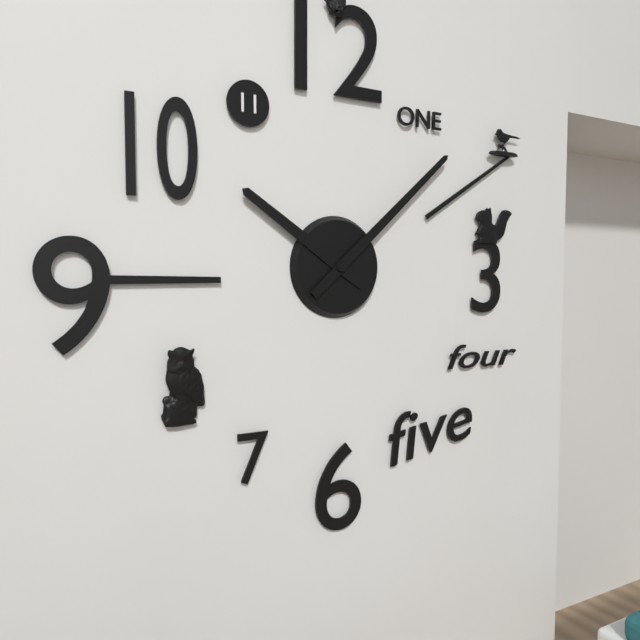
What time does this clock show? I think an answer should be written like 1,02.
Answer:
10,08
